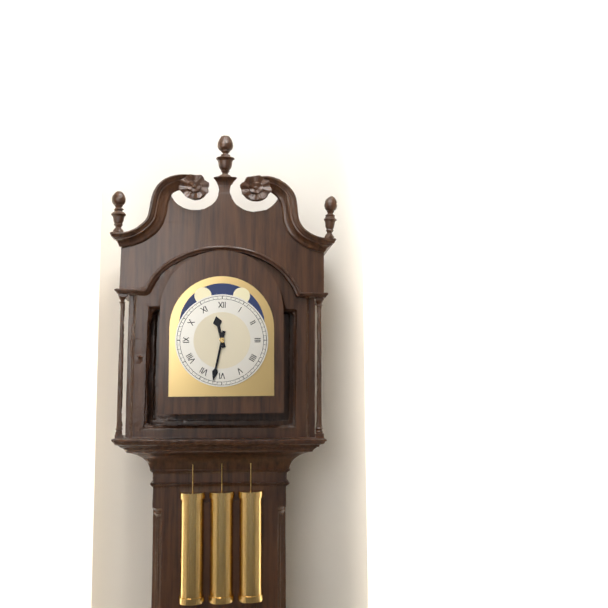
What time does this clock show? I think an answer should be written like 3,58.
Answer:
11,32
